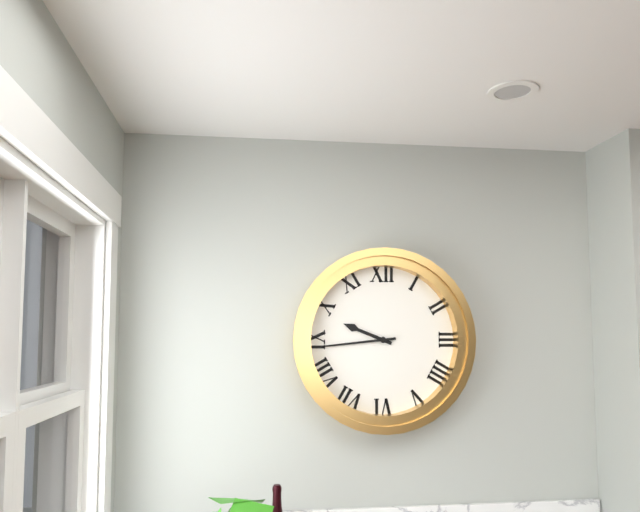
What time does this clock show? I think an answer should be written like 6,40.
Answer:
9,44
